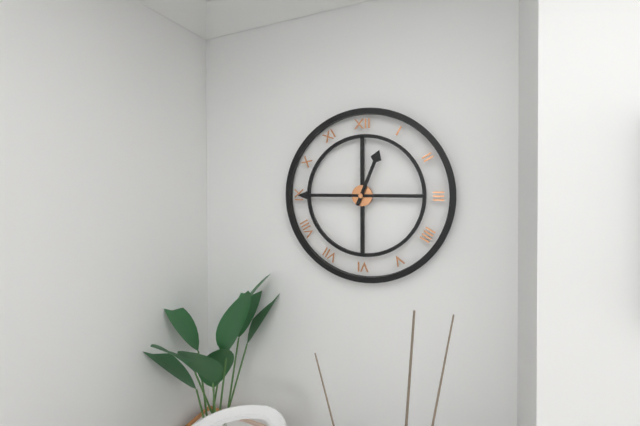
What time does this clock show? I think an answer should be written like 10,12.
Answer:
12,45
